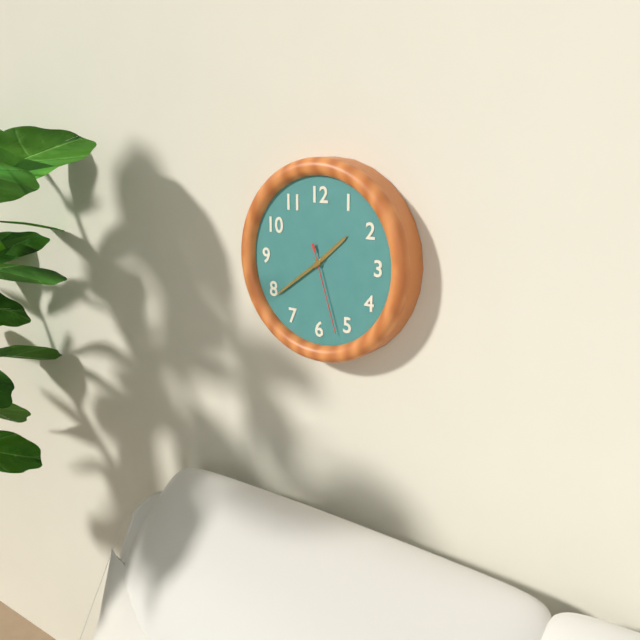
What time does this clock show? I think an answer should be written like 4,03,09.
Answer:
1,39,27
